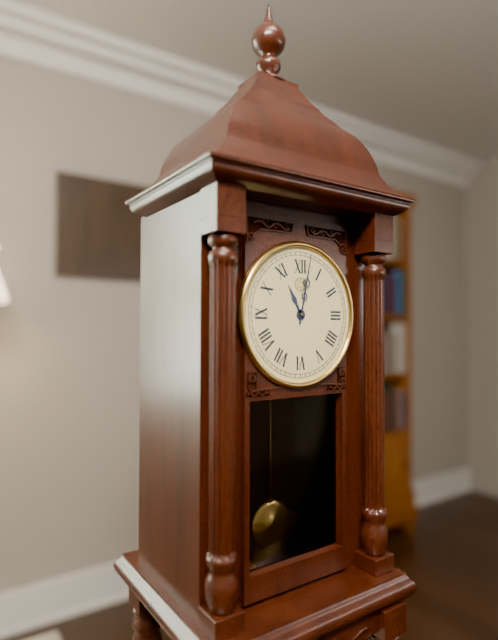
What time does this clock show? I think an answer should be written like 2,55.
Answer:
11,02
